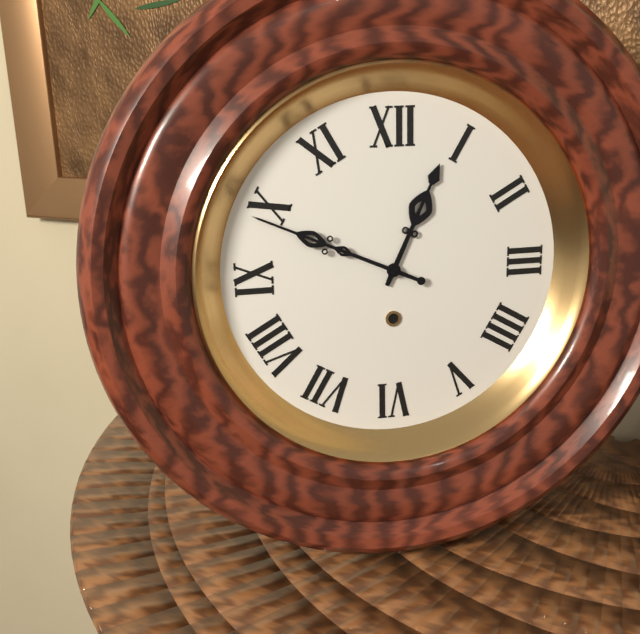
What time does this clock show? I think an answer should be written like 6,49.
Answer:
12,49
